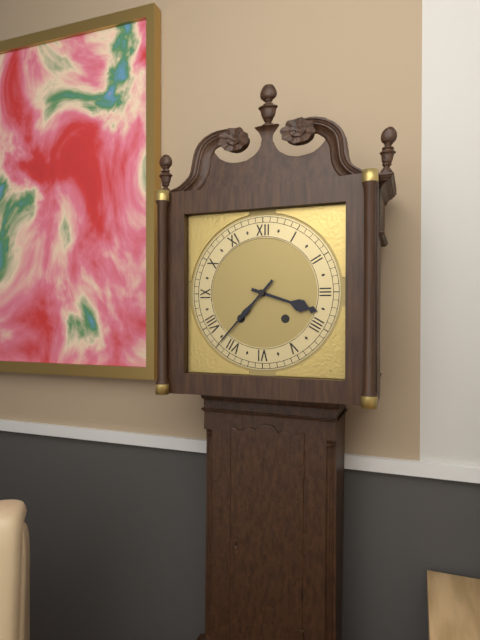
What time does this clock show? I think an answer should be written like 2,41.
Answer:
3,37
